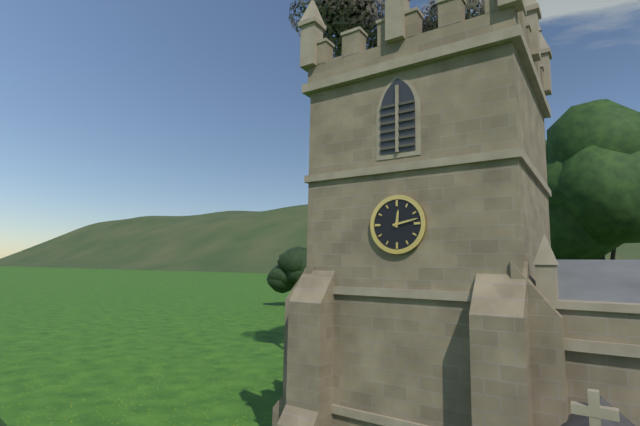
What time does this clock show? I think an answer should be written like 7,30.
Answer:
12,13
